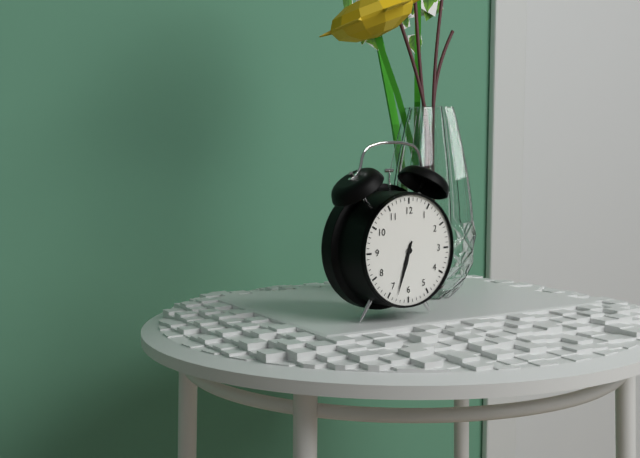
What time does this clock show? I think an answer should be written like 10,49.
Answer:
6,33
